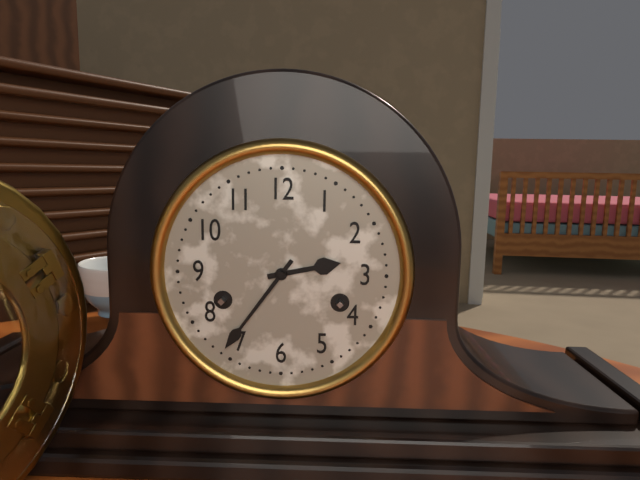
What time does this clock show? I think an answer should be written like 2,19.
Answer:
2,36
